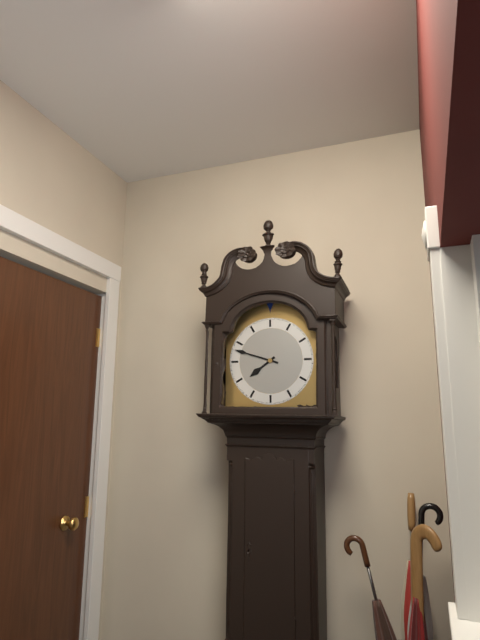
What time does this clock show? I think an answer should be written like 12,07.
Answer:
7,48
